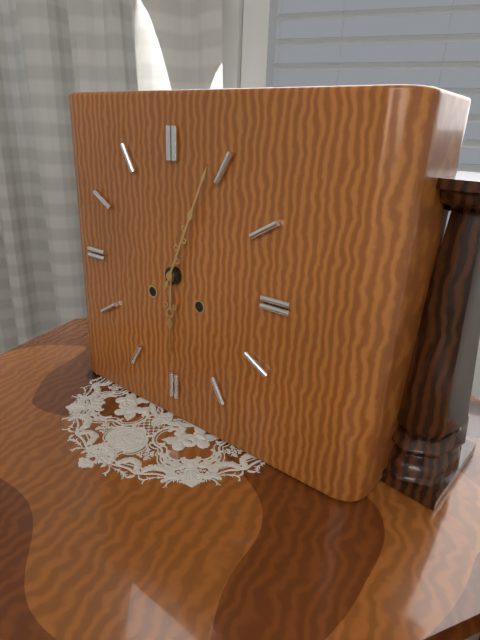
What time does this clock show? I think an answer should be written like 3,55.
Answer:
6,04
